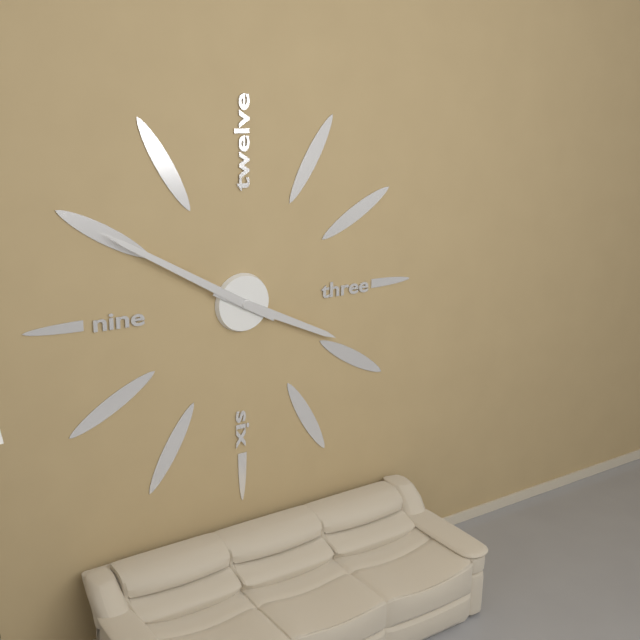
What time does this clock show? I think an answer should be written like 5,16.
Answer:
3,50
